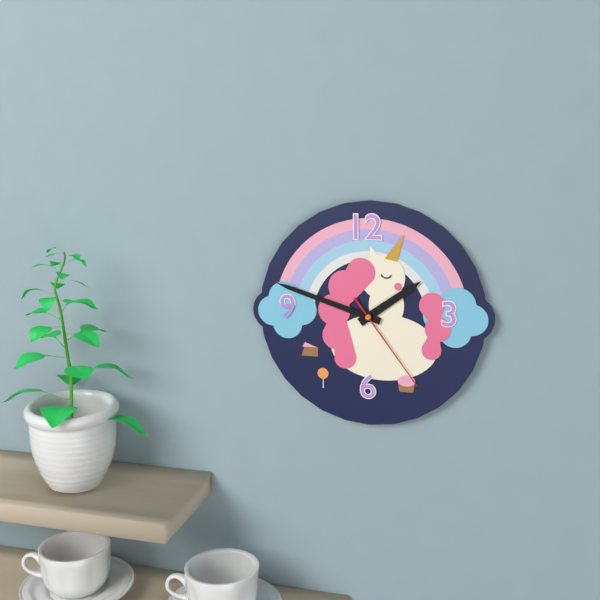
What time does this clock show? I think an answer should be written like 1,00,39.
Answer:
1,48,24
